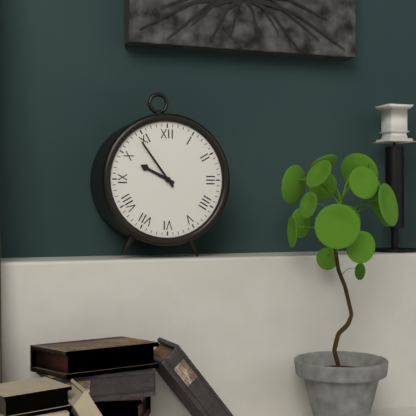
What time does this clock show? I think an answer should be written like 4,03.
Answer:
9,54
